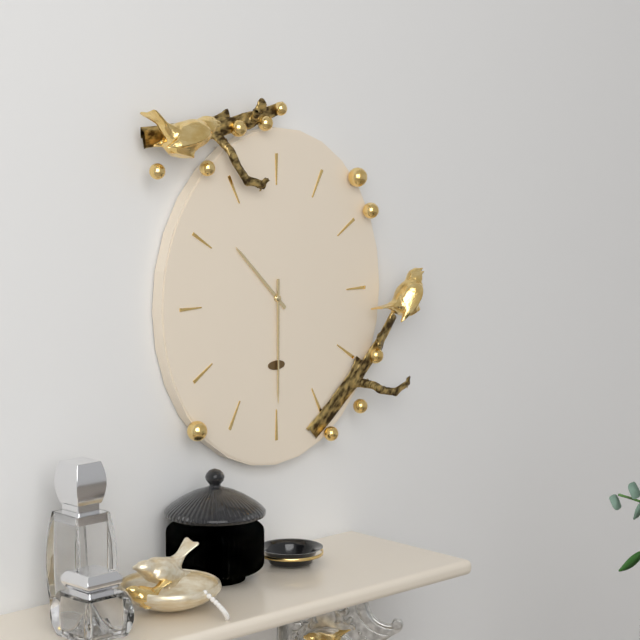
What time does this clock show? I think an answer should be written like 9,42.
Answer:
10,30
